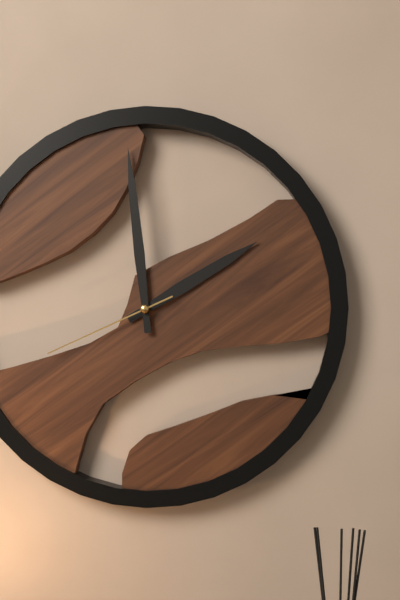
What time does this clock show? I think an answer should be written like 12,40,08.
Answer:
1,59,41
